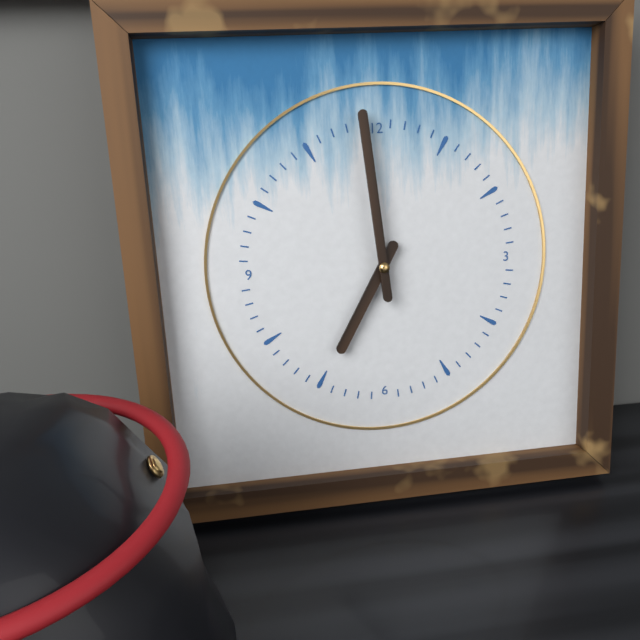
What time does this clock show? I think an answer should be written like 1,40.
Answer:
6,59
